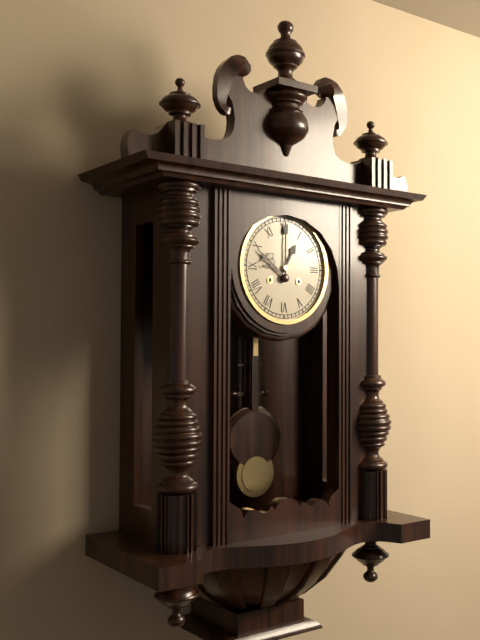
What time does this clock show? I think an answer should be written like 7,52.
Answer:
1,00
